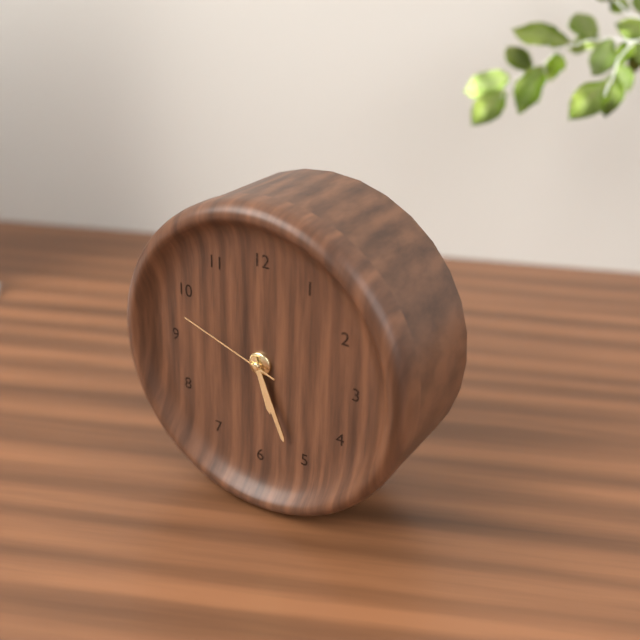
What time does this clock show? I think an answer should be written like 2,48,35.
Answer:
5,26,48
